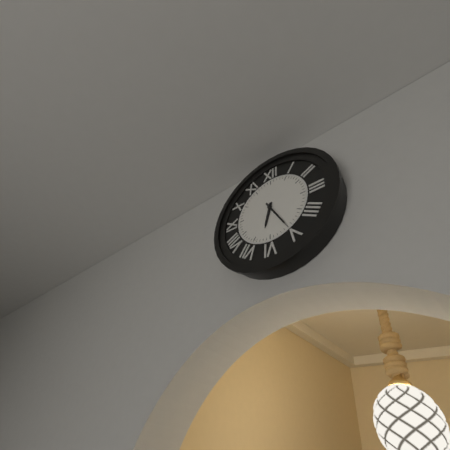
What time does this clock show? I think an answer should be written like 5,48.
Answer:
6,25
